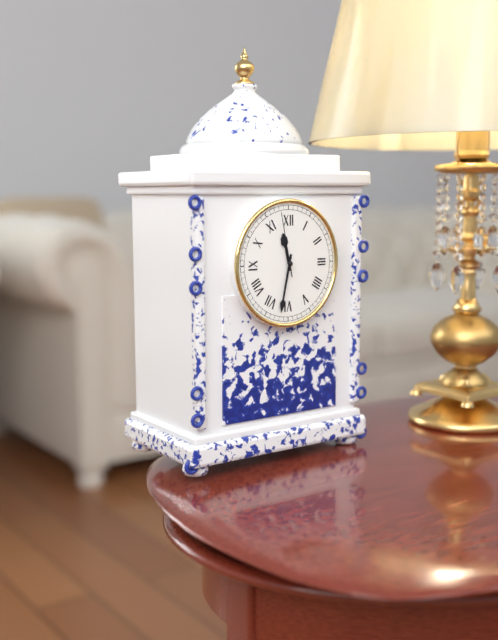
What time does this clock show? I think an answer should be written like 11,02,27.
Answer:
11,32,58
